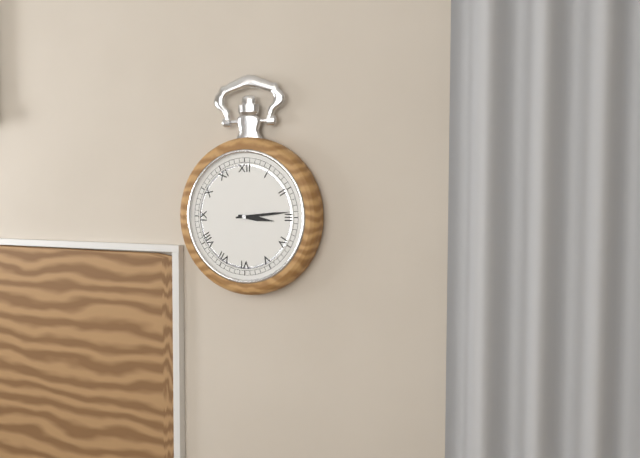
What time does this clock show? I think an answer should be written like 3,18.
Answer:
3,14
